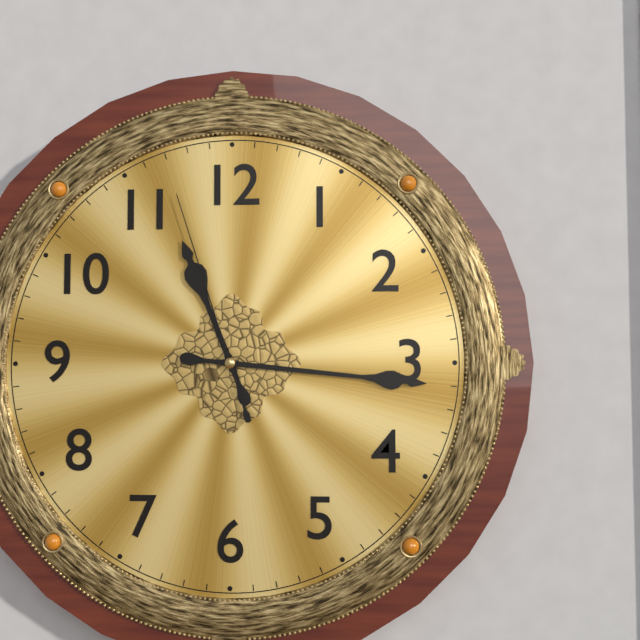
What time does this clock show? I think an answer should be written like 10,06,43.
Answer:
11,16,57
